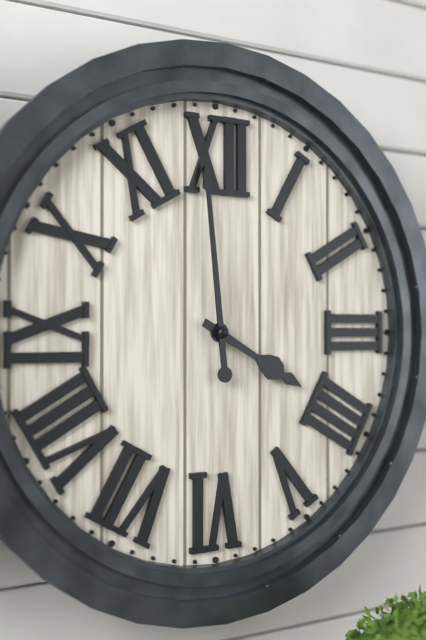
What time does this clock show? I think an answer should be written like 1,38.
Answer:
3,59
